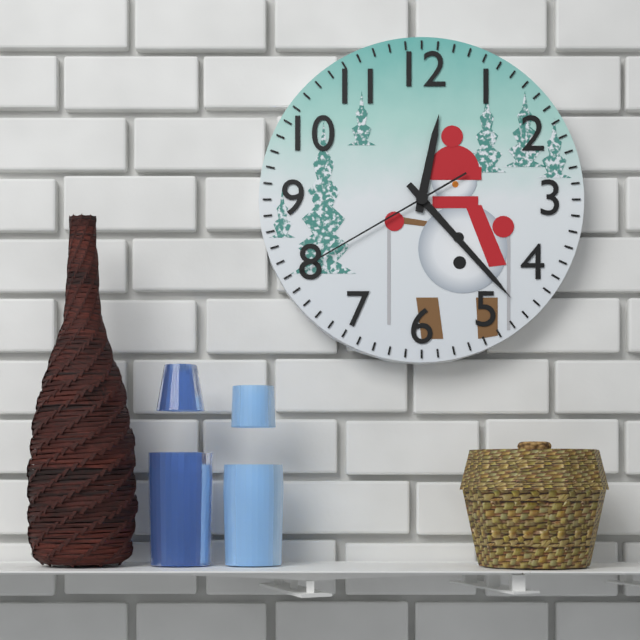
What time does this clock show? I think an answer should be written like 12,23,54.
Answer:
12,23,40
